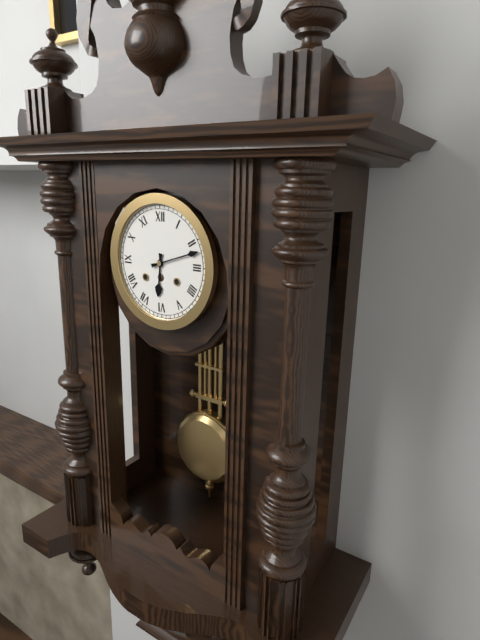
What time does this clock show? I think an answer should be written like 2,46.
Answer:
6,12
